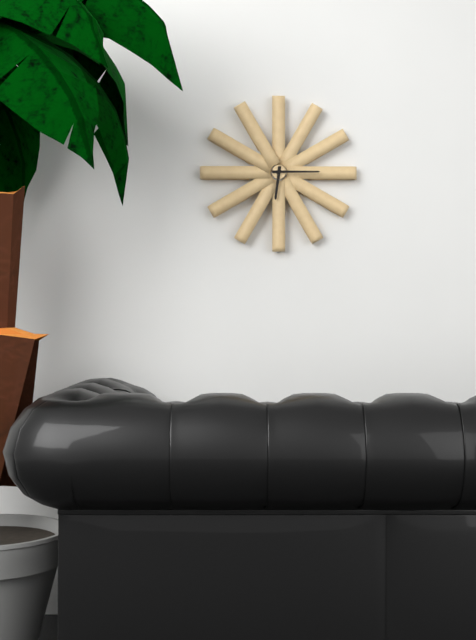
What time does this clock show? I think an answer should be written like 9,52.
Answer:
6,15
